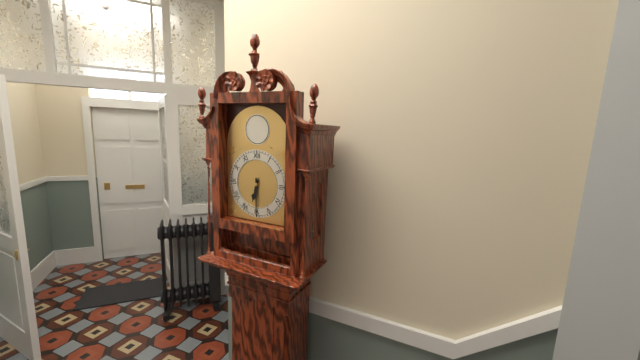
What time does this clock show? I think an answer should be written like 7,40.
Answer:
6,30
